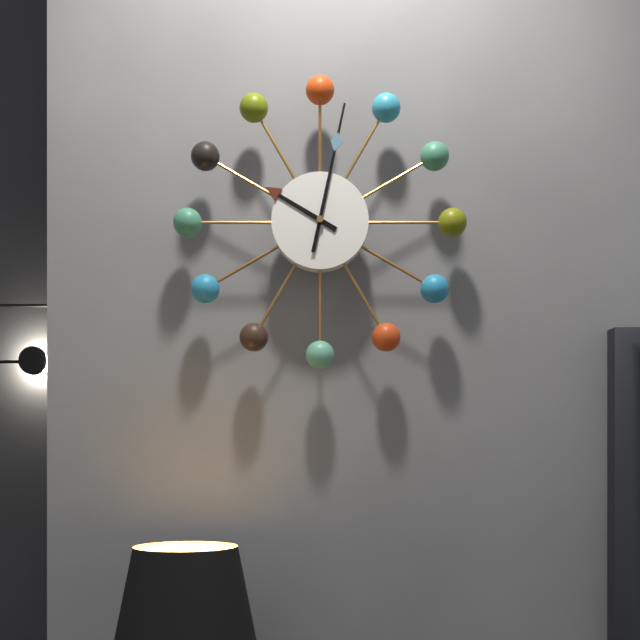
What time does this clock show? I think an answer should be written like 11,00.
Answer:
10,02
